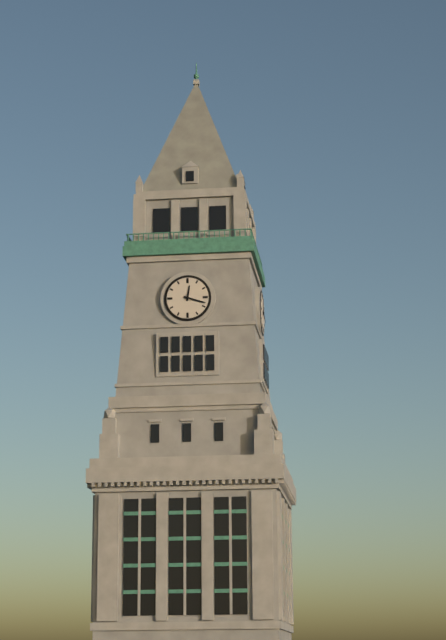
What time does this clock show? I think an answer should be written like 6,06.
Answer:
12,18
